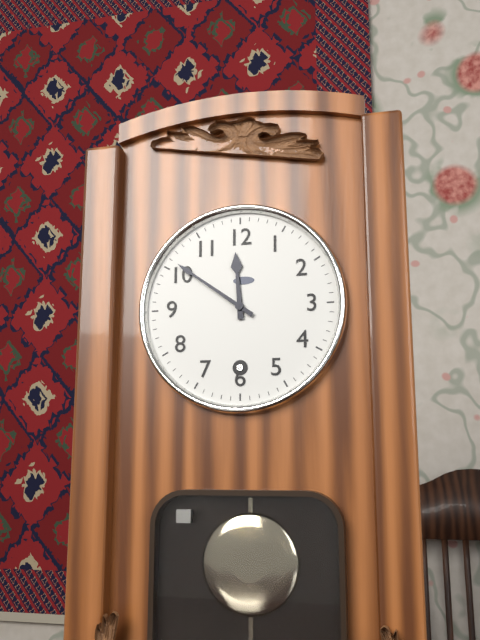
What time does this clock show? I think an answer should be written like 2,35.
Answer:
11,51
